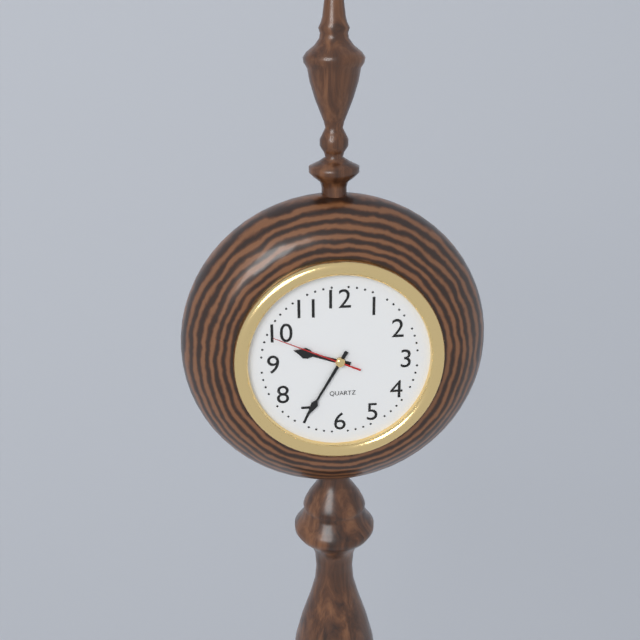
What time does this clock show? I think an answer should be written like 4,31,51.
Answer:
9,35,49
